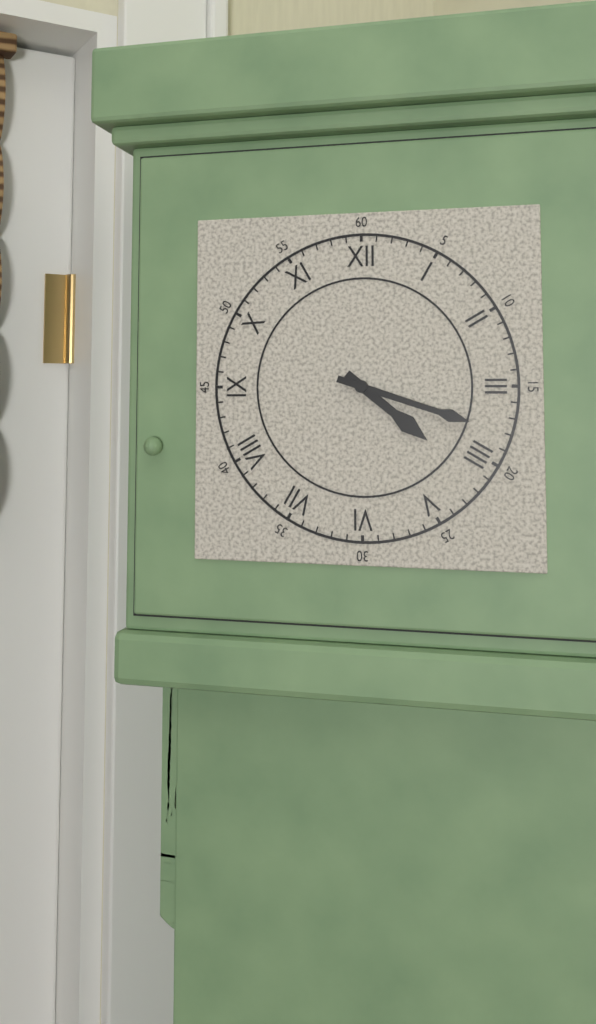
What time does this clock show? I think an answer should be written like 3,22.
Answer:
4,18
